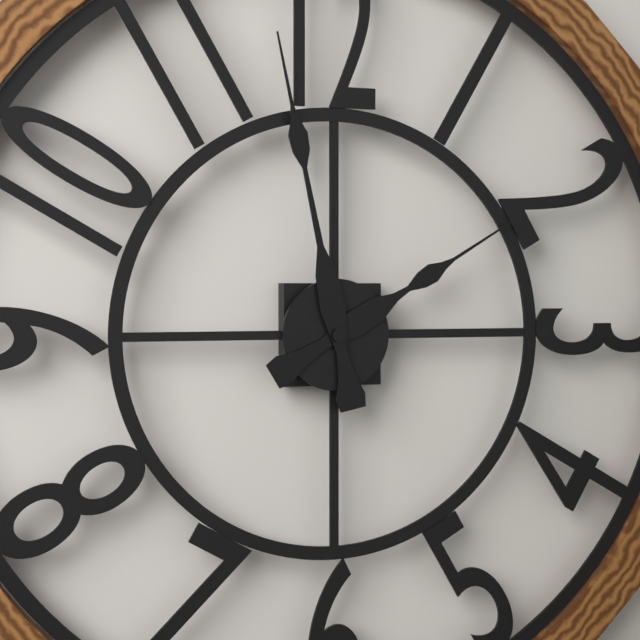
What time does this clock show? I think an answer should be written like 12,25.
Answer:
1,58
